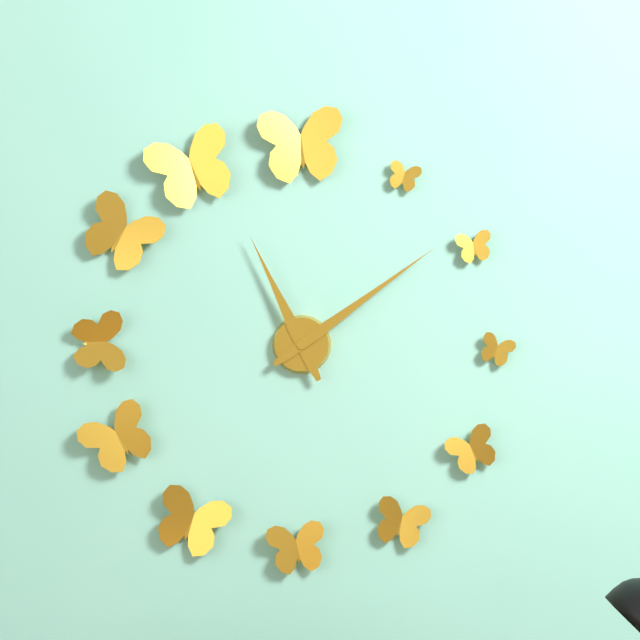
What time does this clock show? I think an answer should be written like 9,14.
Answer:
11,09
